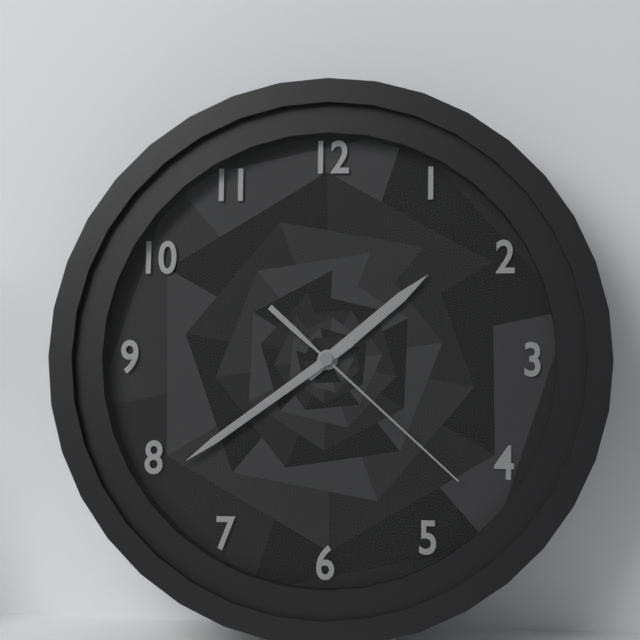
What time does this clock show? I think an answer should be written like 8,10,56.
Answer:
1,39,22
